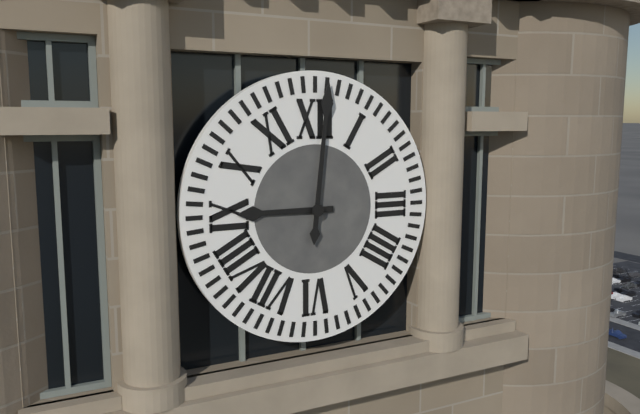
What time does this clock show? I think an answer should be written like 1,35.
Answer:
9,01
